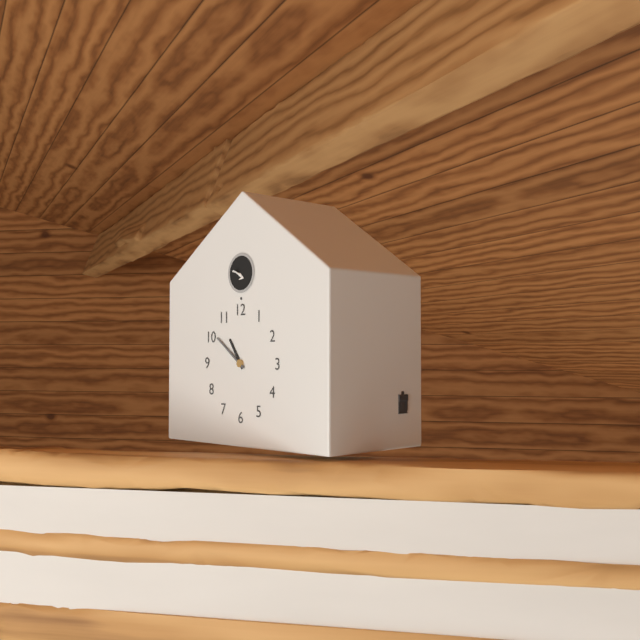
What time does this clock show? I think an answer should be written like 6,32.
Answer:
10,51
